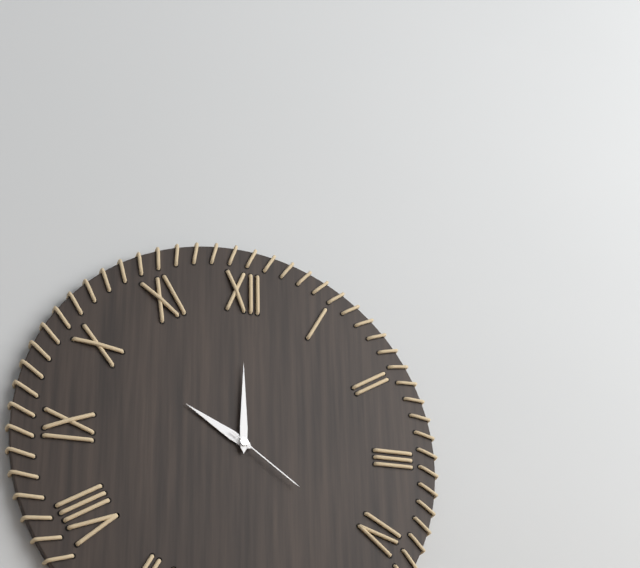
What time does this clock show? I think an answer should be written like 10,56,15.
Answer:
10,00,21
